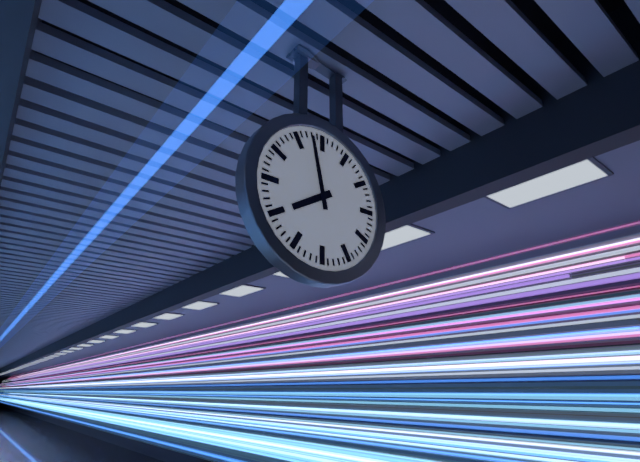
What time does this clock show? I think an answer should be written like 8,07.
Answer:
7,58
